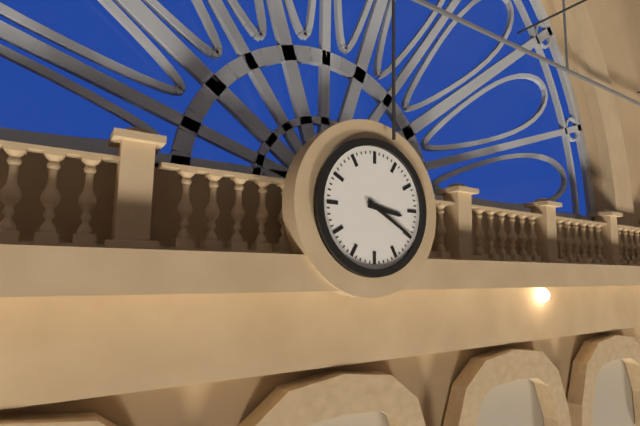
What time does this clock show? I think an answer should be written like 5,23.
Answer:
3,20
